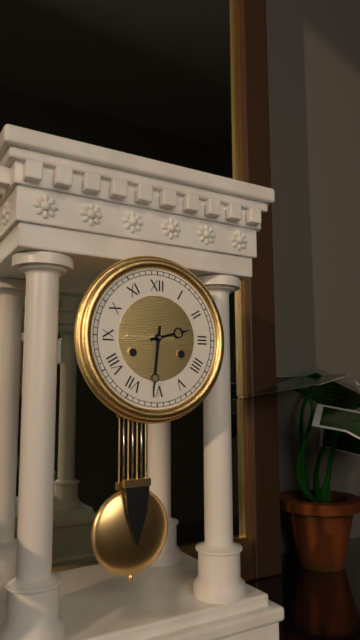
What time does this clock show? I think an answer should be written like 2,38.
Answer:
2,31
